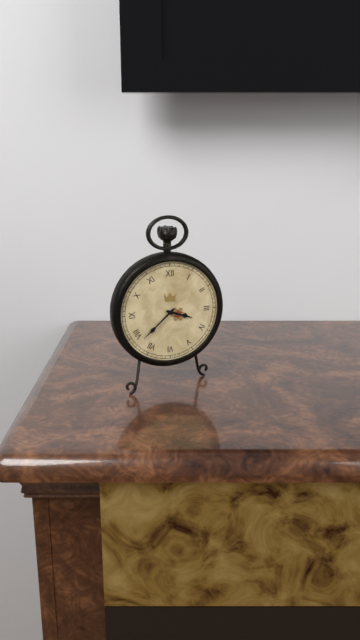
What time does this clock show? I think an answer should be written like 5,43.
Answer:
3,38
